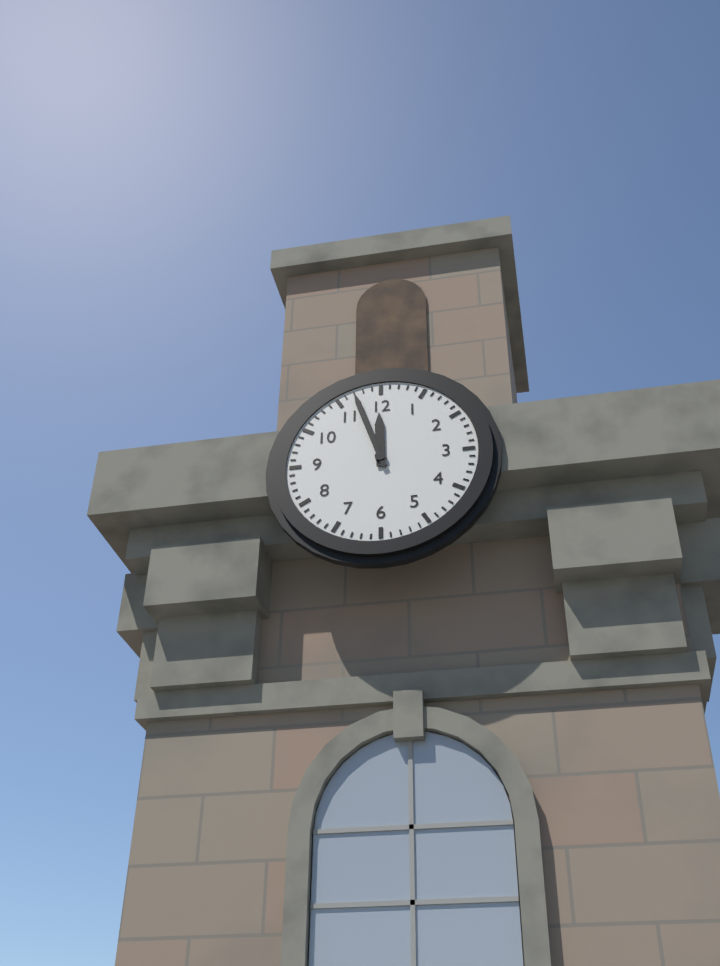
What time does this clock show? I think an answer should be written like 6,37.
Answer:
11,57
